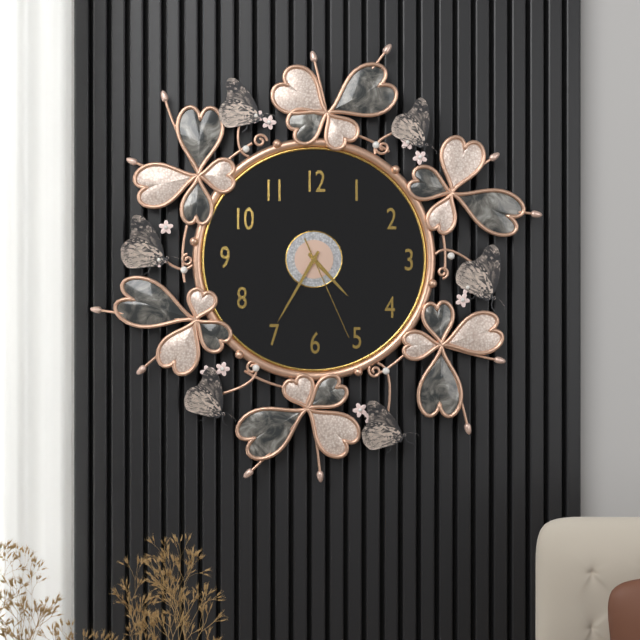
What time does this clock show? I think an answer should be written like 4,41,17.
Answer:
4,35,26
